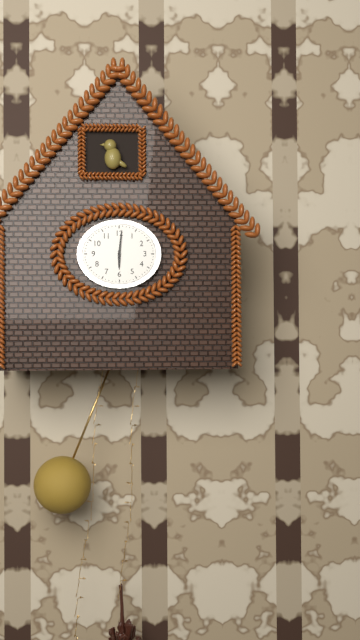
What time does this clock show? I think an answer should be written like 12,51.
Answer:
6,01
